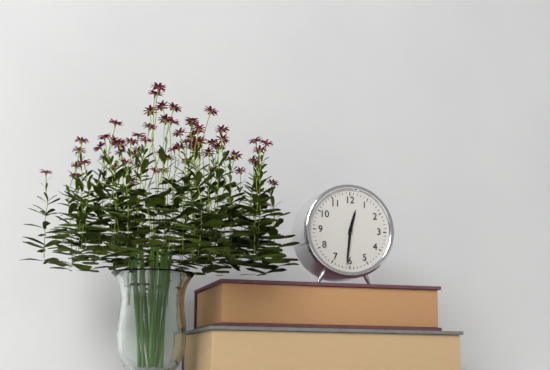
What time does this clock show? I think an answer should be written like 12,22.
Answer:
12,31
